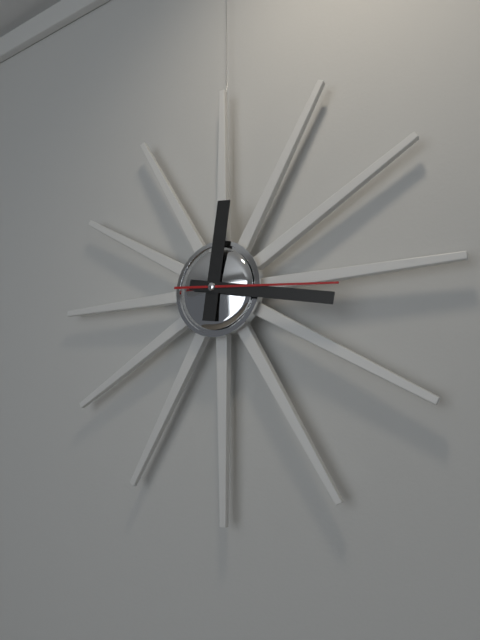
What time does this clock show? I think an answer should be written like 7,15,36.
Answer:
12,17,16
